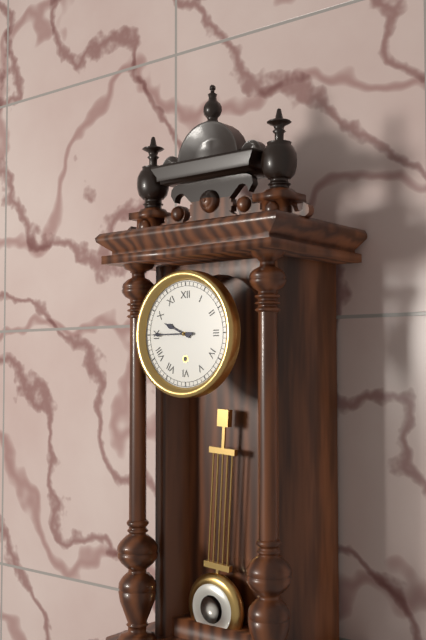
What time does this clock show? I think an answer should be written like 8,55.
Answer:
9,45
